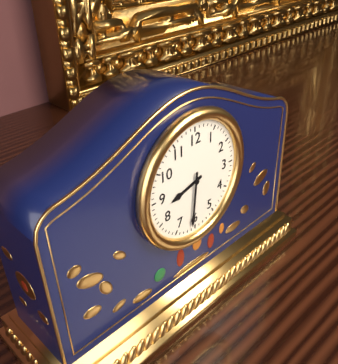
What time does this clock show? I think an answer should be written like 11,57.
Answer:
8,31
